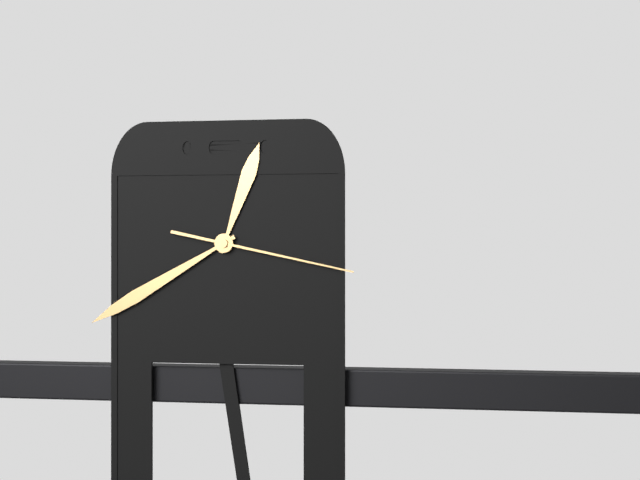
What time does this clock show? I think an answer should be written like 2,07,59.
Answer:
12,40,17
